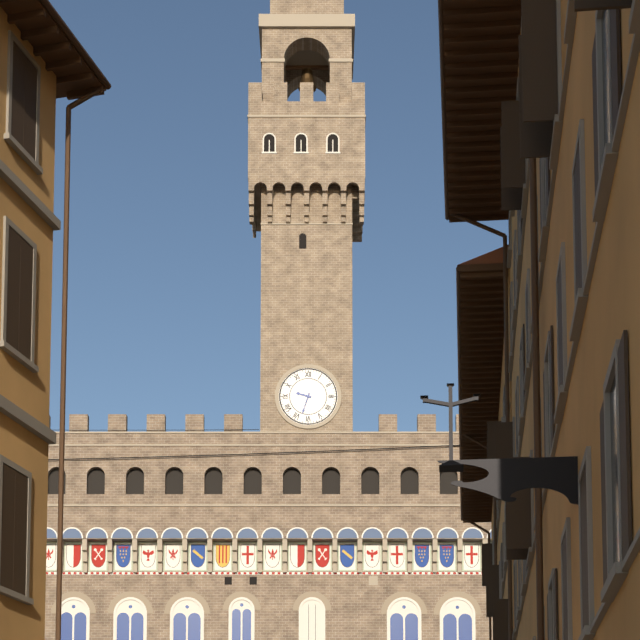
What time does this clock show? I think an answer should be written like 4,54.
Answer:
9,33
